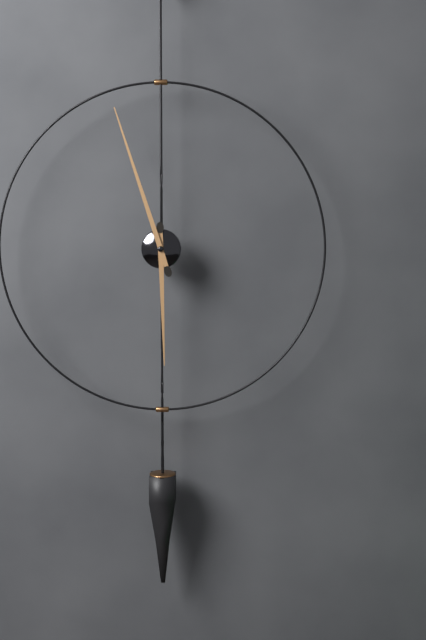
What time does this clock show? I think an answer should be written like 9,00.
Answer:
5,57
